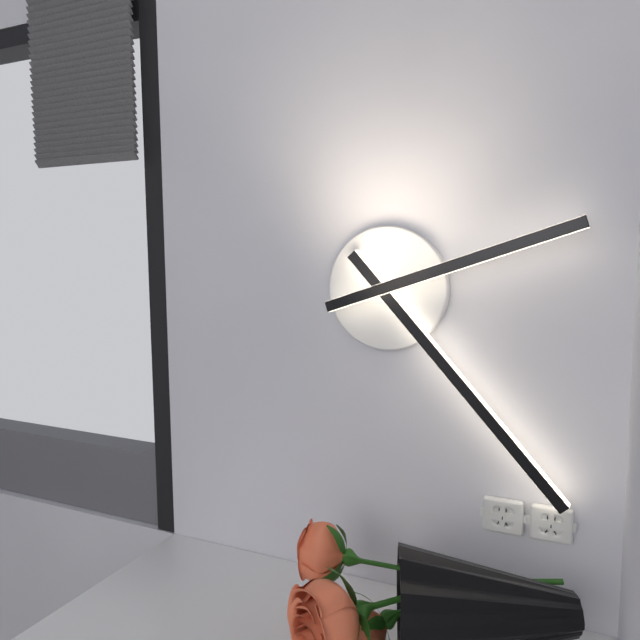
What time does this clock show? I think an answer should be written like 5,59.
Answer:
2,23
